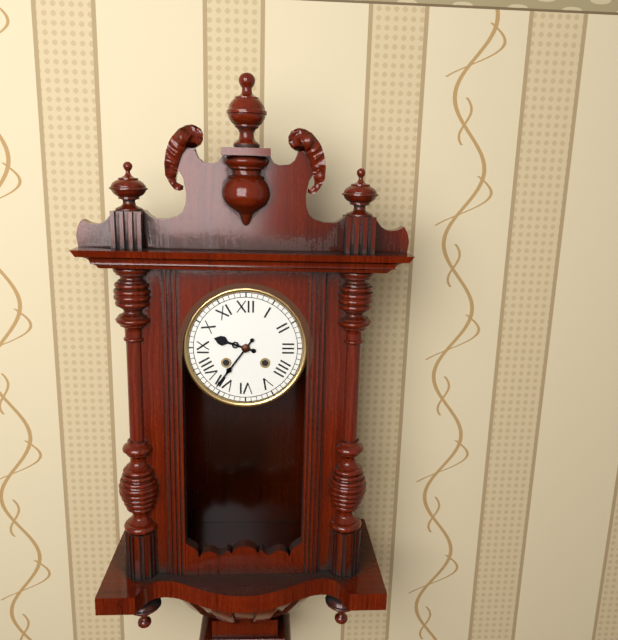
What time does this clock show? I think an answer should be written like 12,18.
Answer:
9,36
